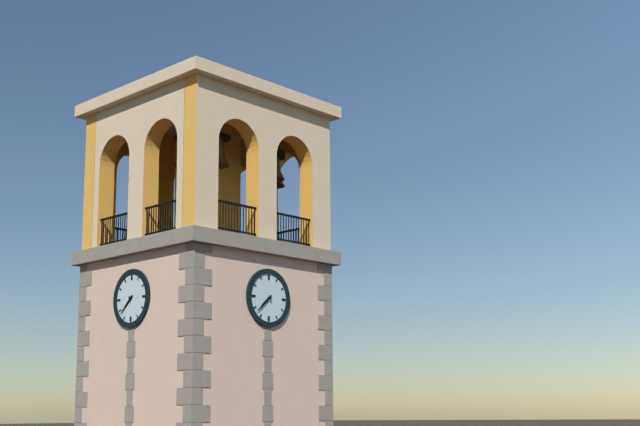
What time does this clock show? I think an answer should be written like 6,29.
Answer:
7,38
